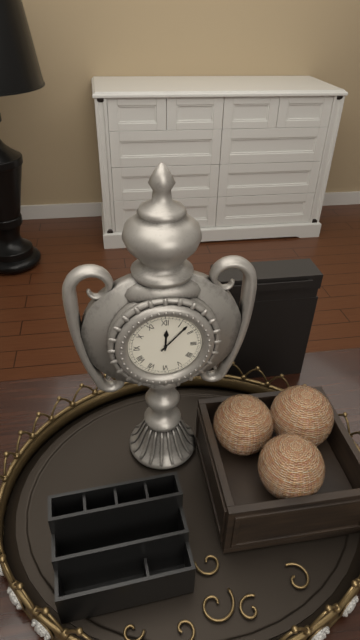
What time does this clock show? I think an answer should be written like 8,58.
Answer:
12,07
